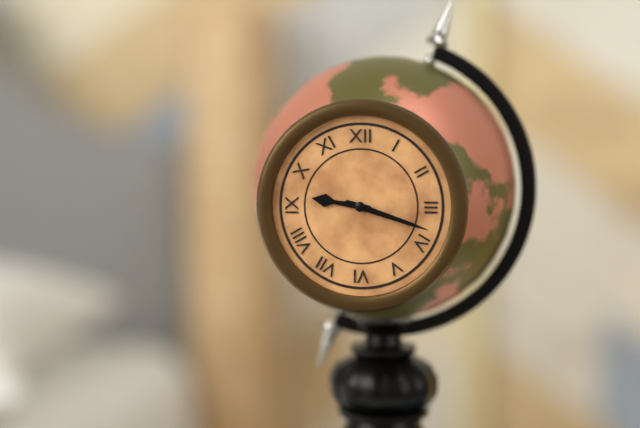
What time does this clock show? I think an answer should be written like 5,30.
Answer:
9,18
